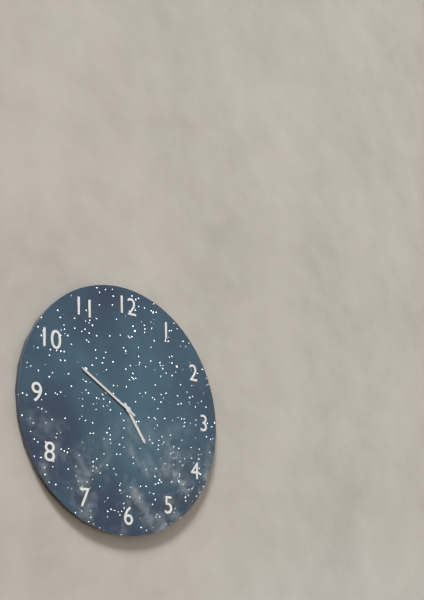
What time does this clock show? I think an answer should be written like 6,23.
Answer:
4,50
